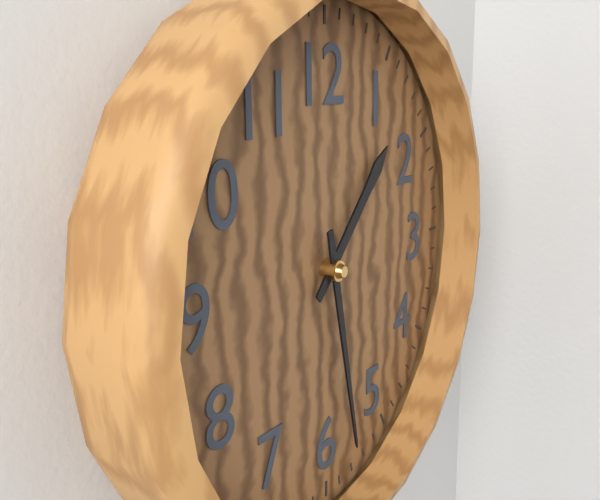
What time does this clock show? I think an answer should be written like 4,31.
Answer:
1,28
